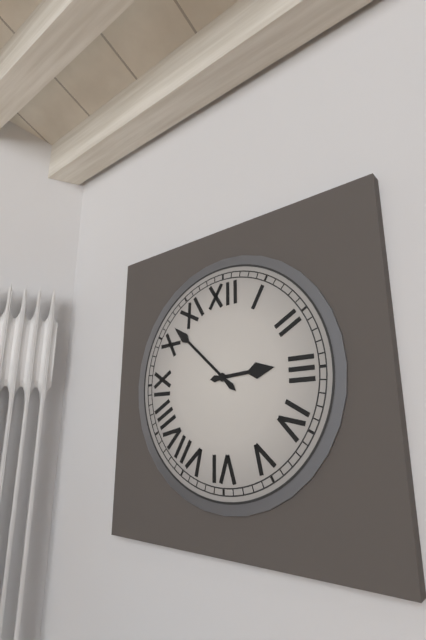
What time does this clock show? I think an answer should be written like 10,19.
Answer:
2,52
